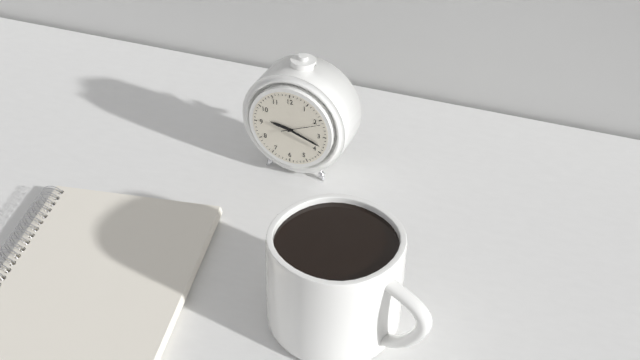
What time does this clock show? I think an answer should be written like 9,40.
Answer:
9,18
